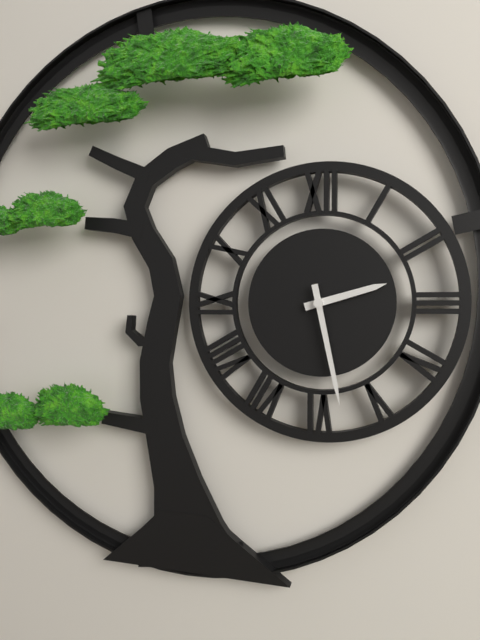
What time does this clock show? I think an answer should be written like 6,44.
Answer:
2,28
